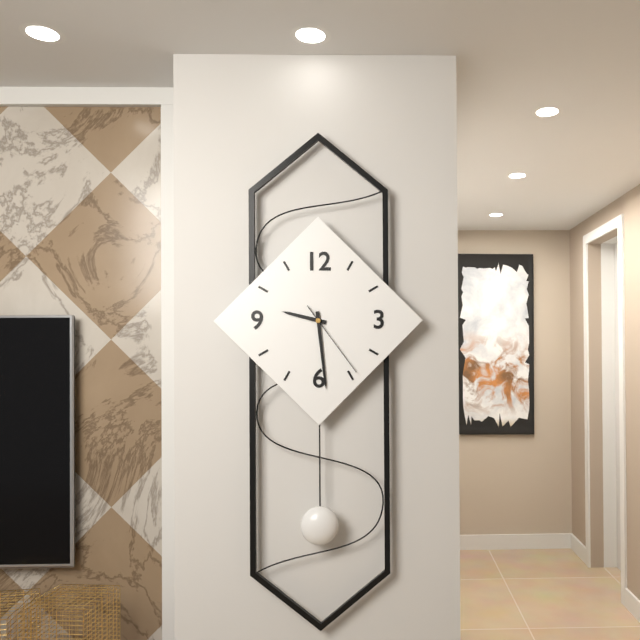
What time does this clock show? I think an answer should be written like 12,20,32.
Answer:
9,29,24
